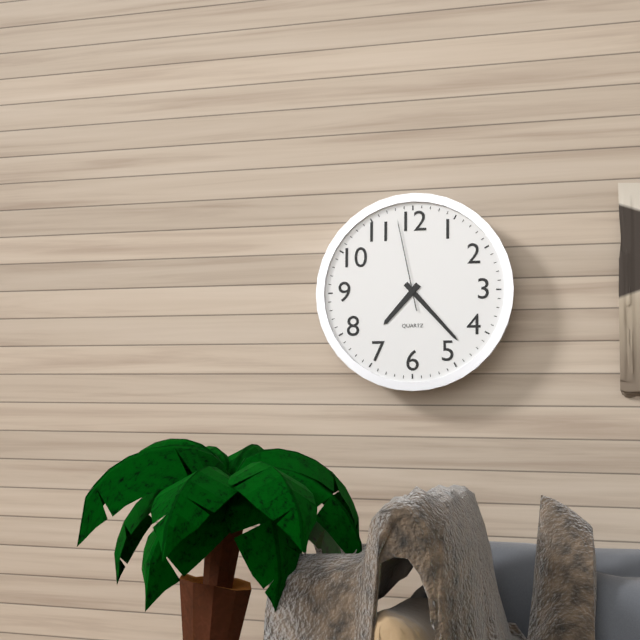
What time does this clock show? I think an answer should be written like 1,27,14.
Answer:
7,23,58
